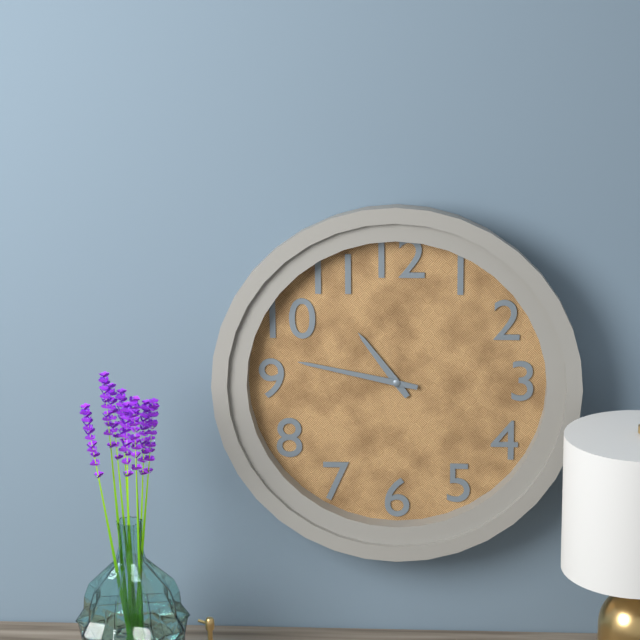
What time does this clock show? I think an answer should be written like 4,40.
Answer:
10,47
